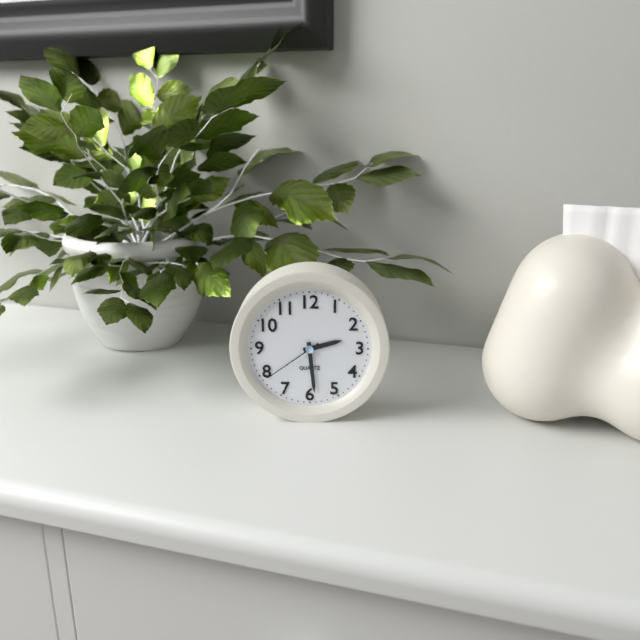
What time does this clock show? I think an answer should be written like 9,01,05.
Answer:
2,29,39
